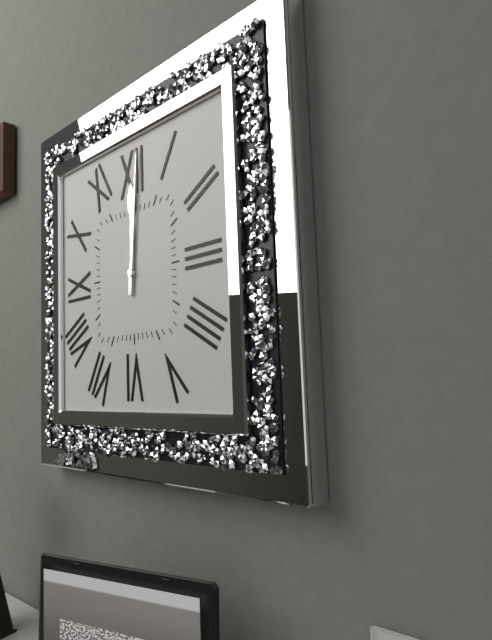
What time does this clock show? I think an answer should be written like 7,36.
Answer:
12,01
